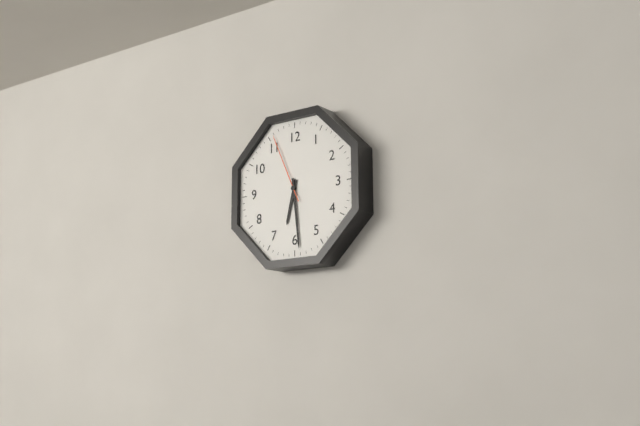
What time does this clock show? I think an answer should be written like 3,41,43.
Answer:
6,29,56
